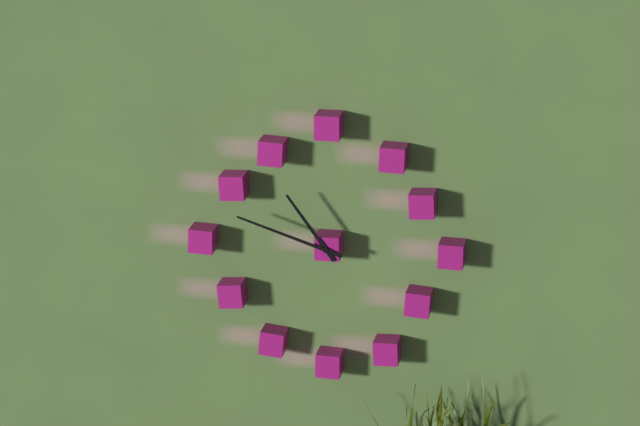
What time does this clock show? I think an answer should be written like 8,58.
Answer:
10,48
